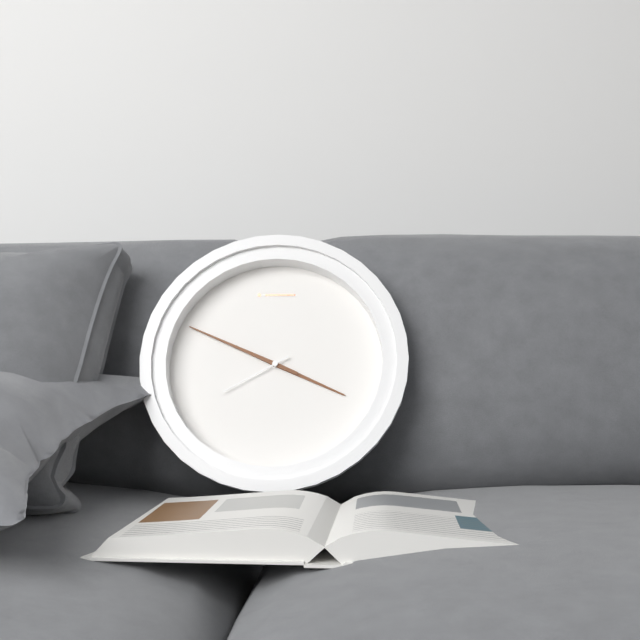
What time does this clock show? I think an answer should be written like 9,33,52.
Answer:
3,49,40
